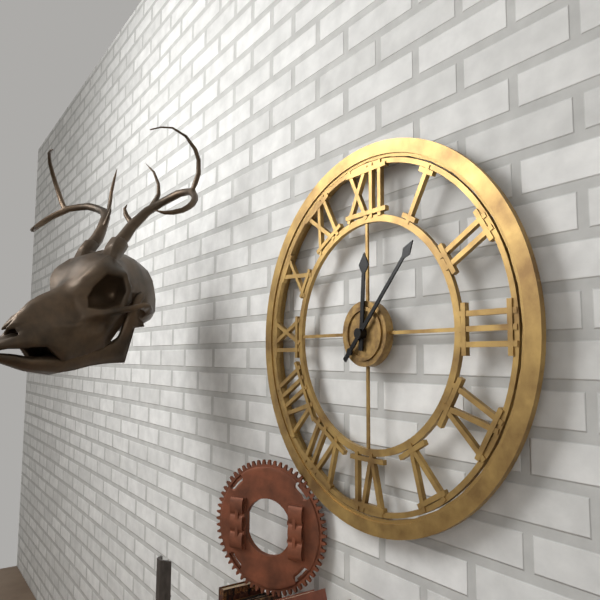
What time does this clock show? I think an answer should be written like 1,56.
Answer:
12,07
